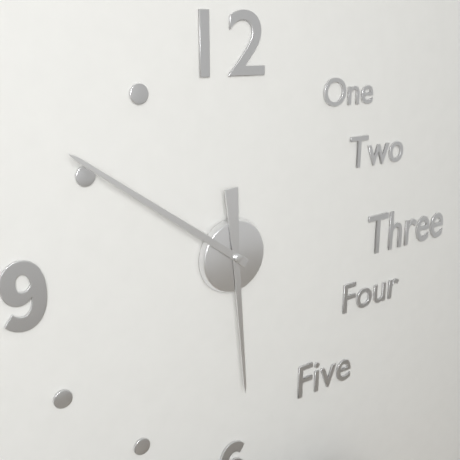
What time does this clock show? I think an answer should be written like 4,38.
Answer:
5,51
